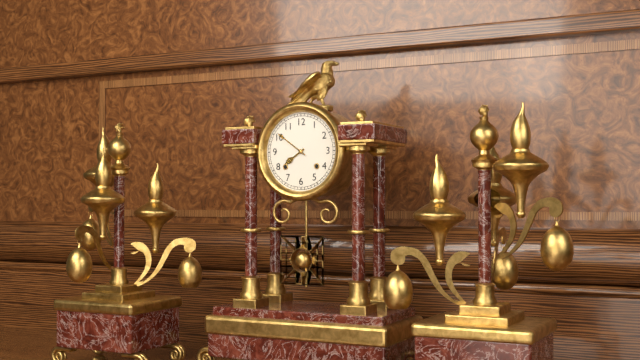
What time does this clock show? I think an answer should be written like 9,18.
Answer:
7,51
